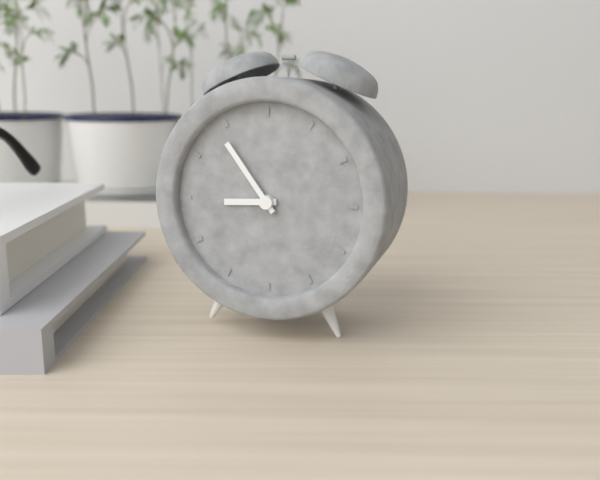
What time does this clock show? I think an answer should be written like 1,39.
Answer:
8,54
